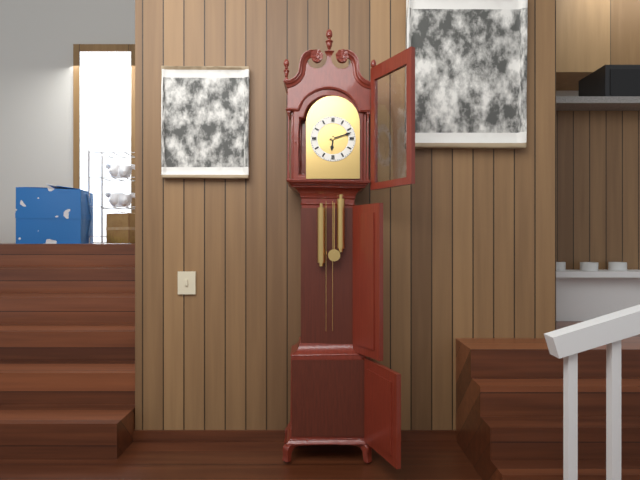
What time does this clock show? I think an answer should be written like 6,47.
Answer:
6,12
